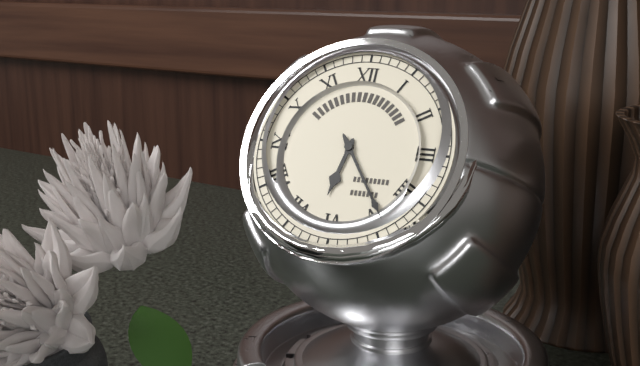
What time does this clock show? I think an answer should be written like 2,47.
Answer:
6,24
